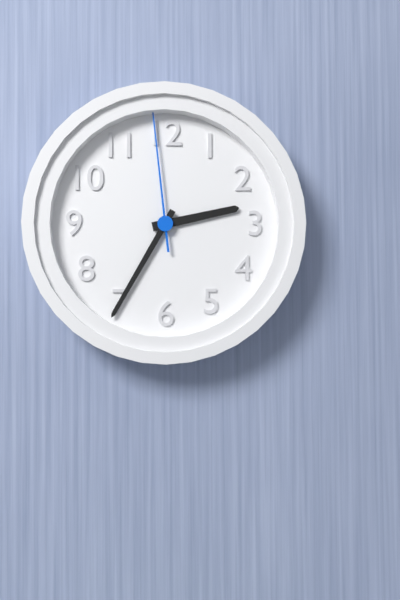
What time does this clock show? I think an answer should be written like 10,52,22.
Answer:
2,35,59
